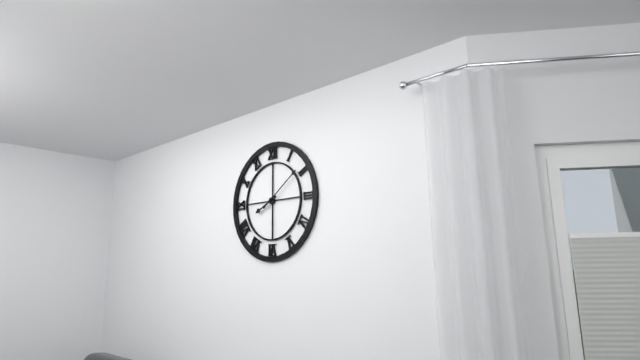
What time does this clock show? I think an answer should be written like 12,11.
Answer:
8,09
